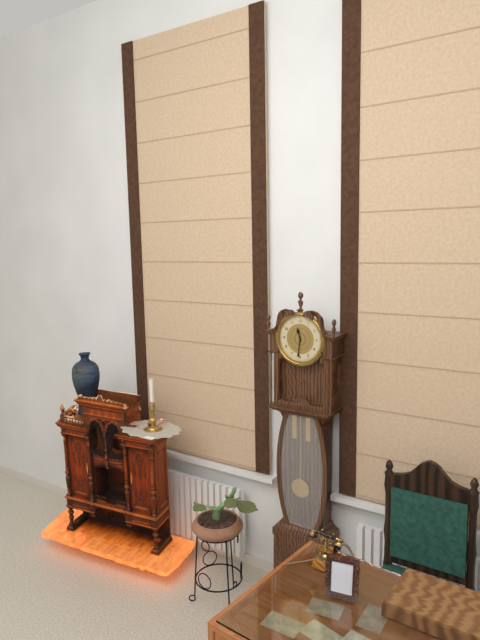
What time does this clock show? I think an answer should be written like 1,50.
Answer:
11,31
